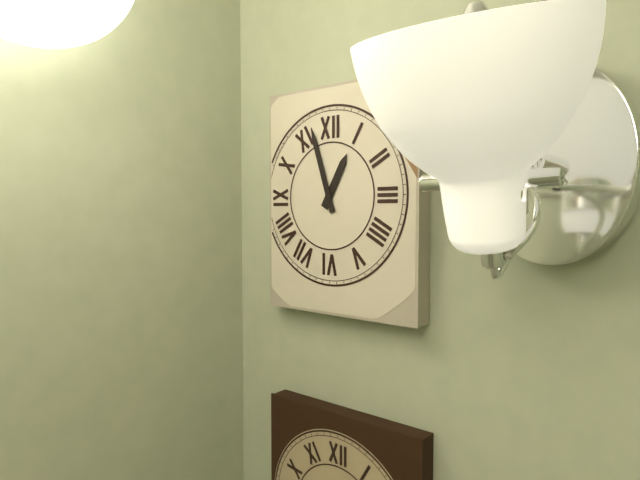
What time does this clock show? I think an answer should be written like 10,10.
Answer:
12,57
